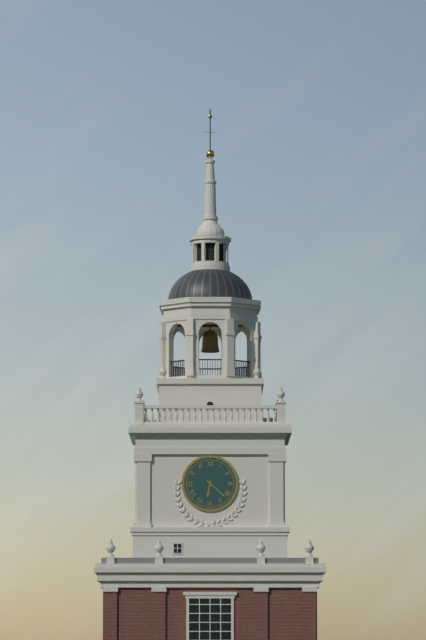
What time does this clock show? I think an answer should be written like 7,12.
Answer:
6,22
